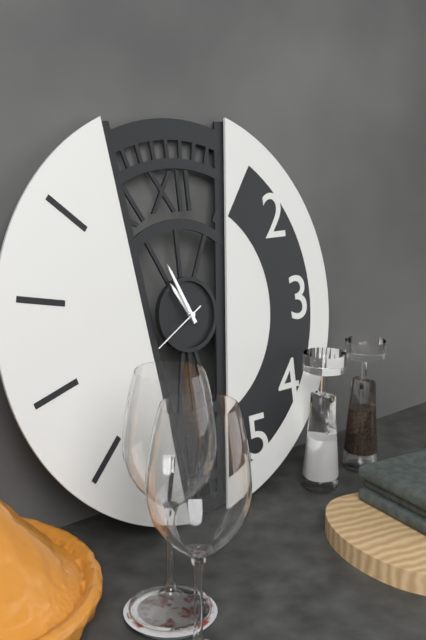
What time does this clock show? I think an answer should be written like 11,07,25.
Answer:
10,56,40
